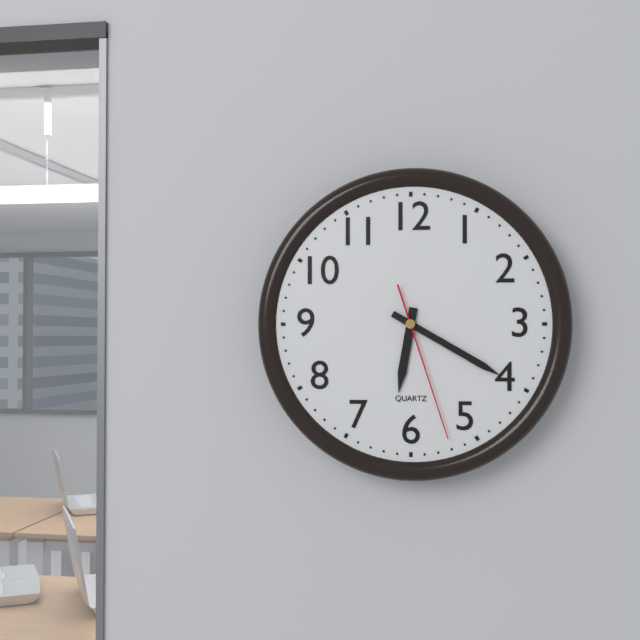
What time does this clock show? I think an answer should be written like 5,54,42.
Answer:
6,20,27
